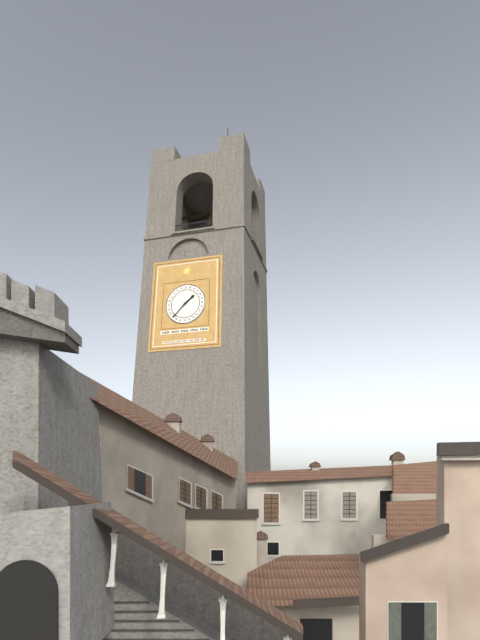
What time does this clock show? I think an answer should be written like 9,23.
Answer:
1,37
